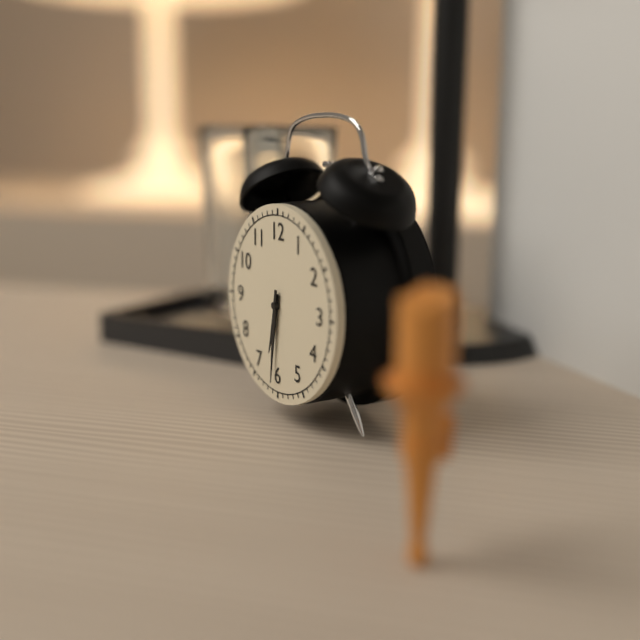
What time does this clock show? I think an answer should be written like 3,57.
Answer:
6,31
